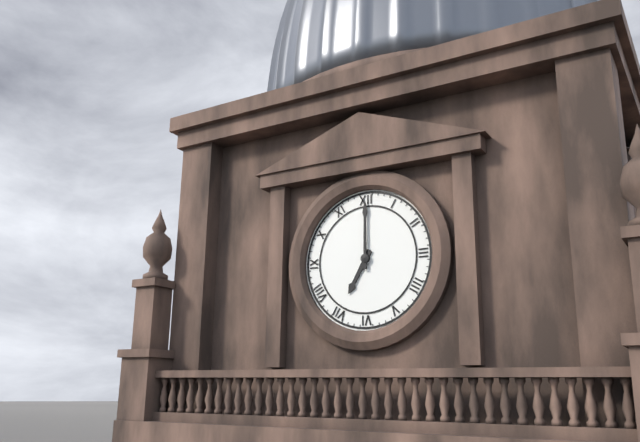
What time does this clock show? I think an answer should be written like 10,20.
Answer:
7,00
